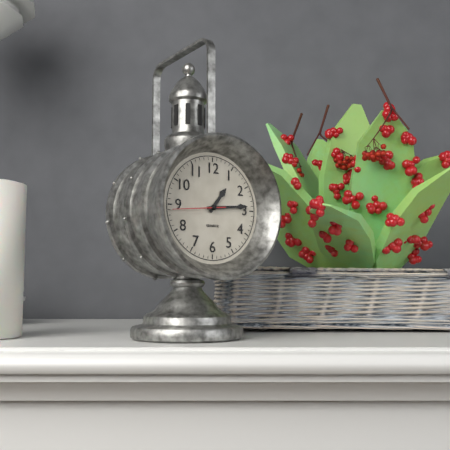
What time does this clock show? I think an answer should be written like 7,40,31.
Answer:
1,14,44
